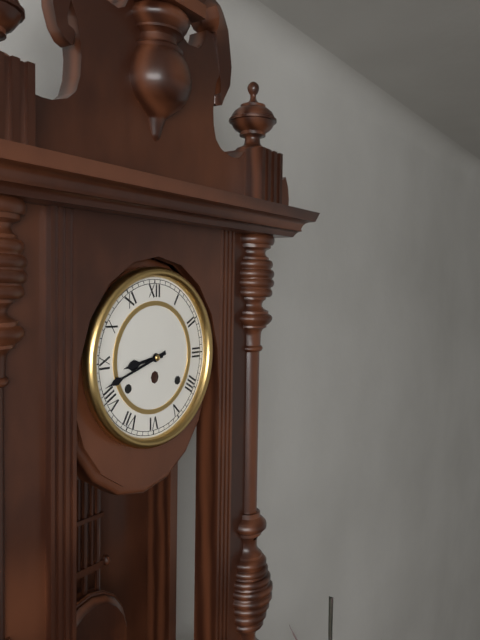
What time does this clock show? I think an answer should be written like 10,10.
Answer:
8,42
